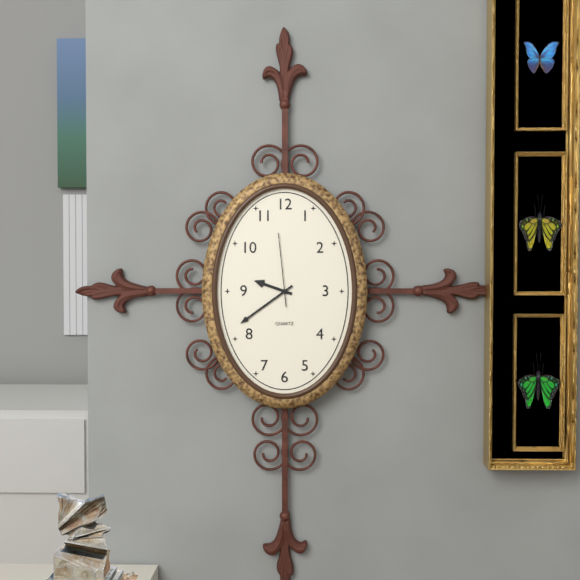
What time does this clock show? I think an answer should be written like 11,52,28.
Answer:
9,39,59
